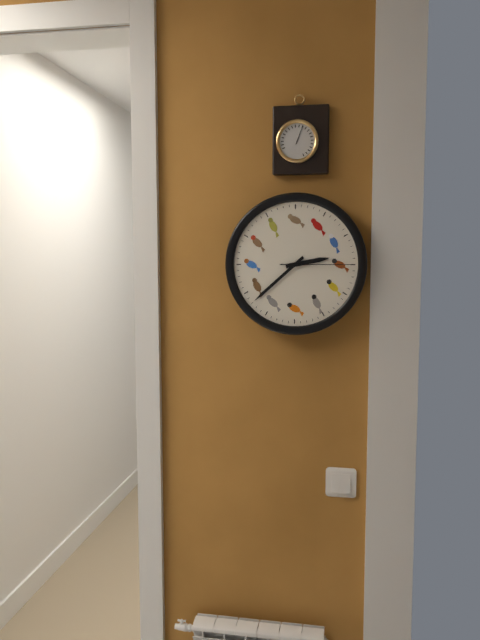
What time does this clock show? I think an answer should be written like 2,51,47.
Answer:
2,38,15
